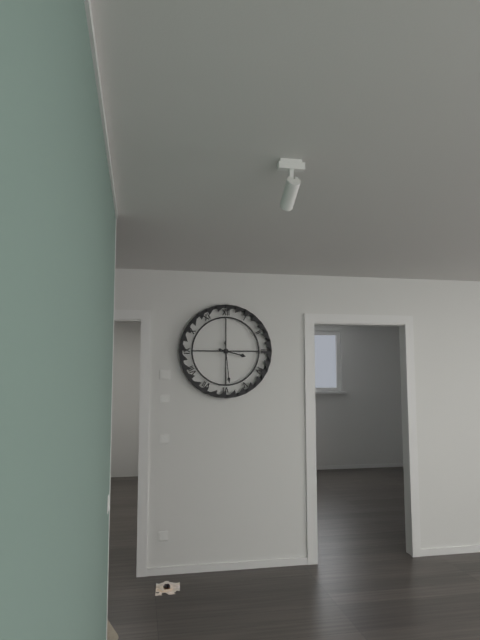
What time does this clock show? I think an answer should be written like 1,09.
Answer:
3,29
